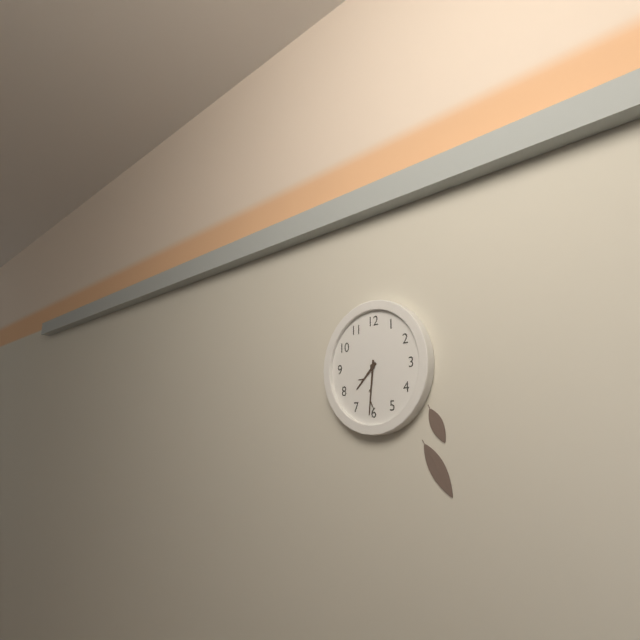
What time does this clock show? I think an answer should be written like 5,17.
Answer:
7,31
